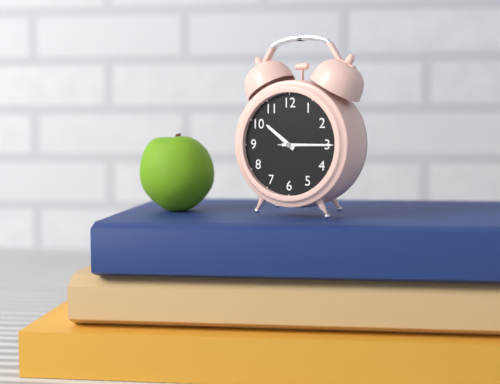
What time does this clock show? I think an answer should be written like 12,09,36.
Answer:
10,15,15
